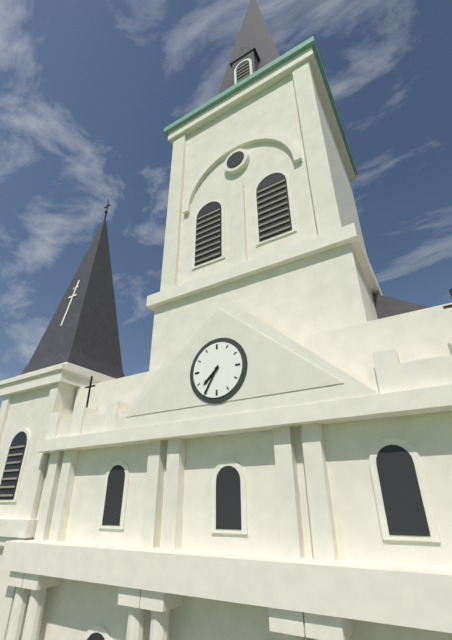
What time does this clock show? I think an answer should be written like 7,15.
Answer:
7,35
